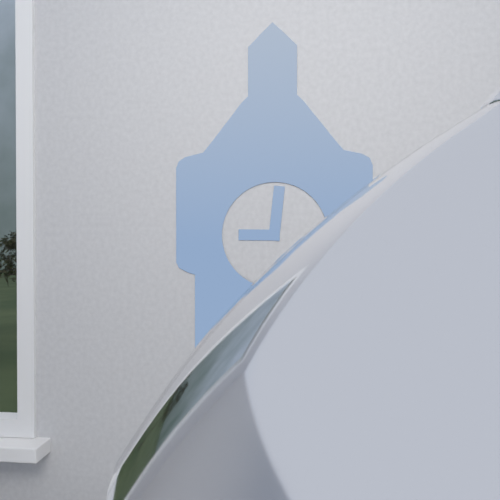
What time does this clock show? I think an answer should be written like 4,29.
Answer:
9,01
